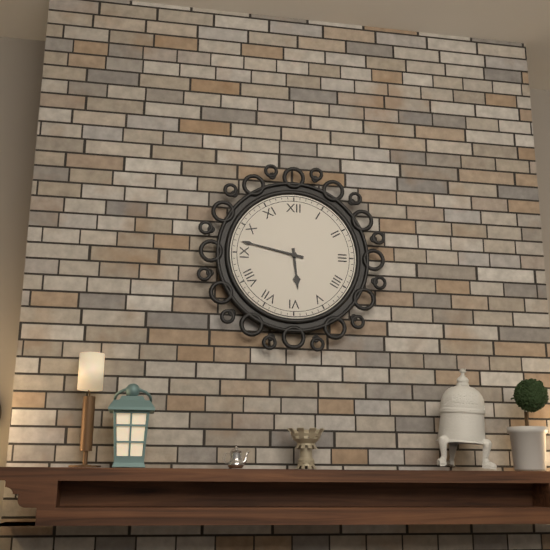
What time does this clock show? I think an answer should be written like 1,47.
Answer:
5,47
